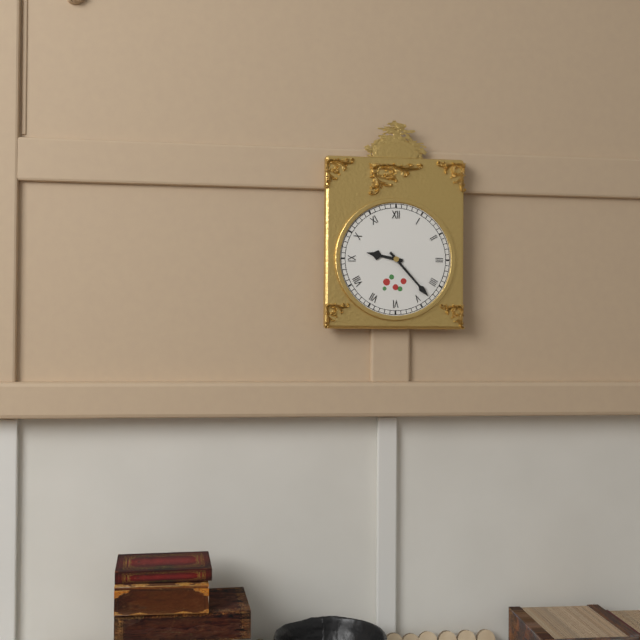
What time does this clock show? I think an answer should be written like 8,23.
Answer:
9,23
